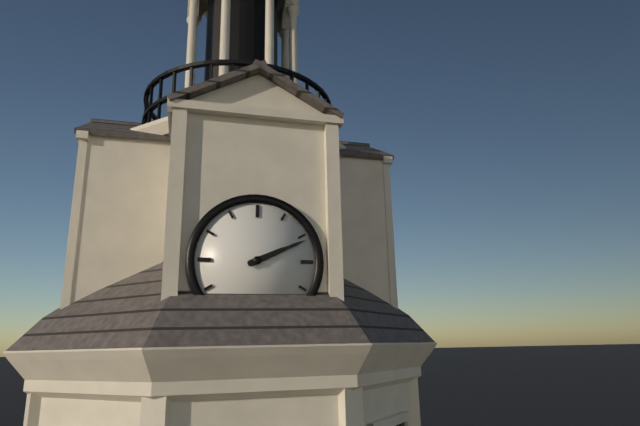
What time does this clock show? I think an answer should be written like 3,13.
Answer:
2,11
